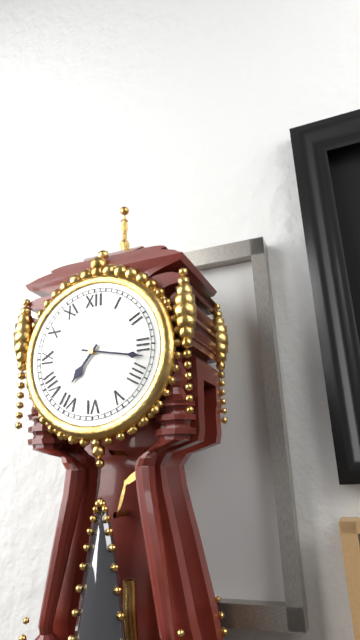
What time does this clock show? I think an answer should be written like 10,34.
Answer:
7,17
